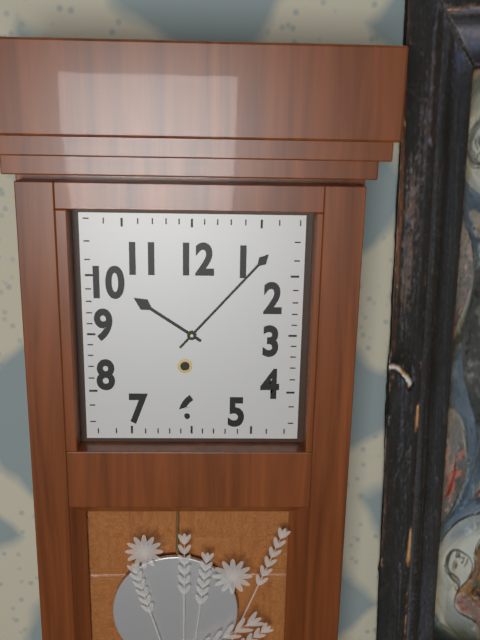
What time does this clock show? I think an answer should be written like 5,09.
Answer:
10,07
